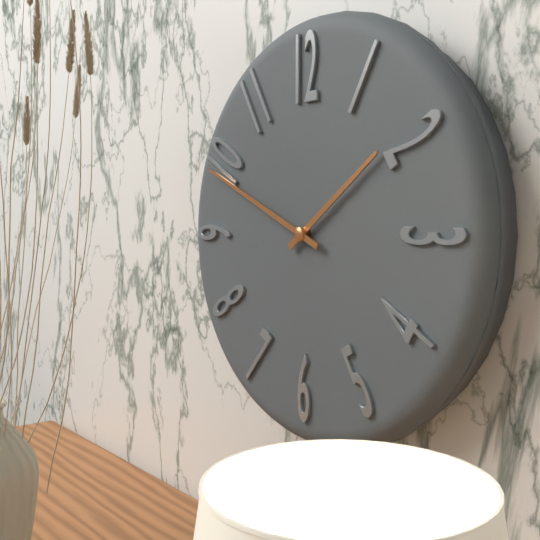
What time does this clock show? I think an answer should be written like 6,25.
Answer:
1,49
